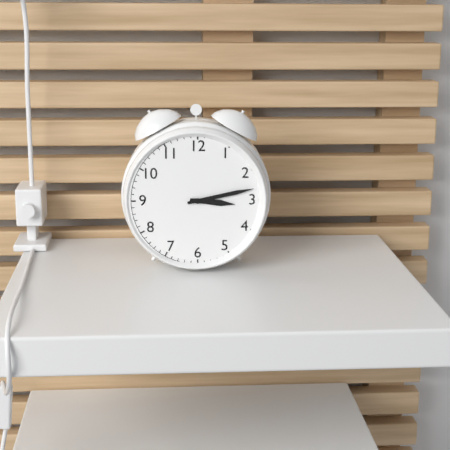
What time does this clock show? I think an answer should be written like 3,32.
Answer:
3,13
